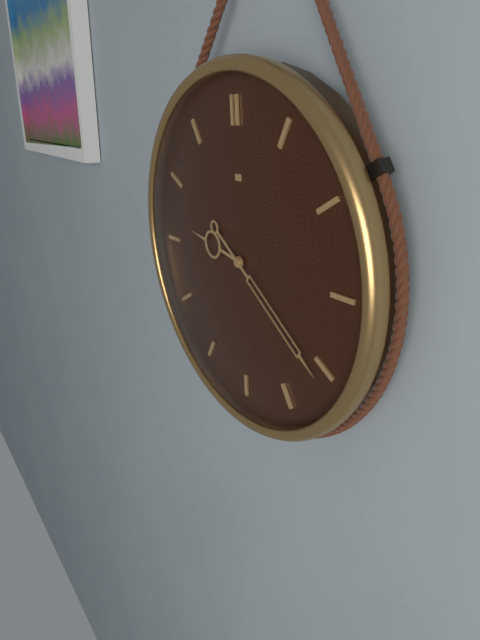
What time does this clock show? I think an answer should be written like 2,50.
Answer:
9,21
